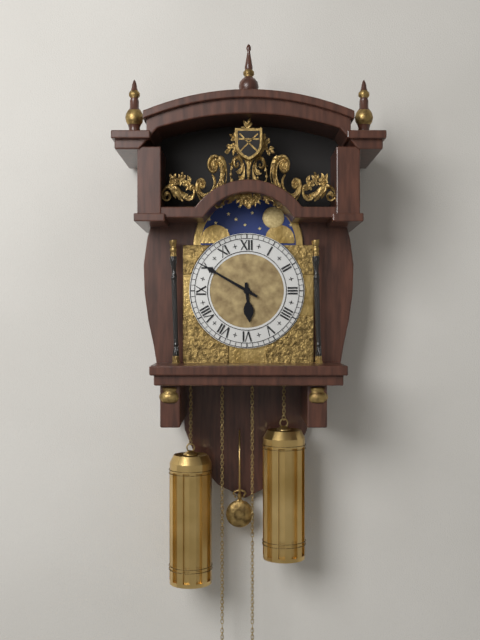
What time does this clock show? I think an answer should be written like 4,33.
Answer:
5,50
